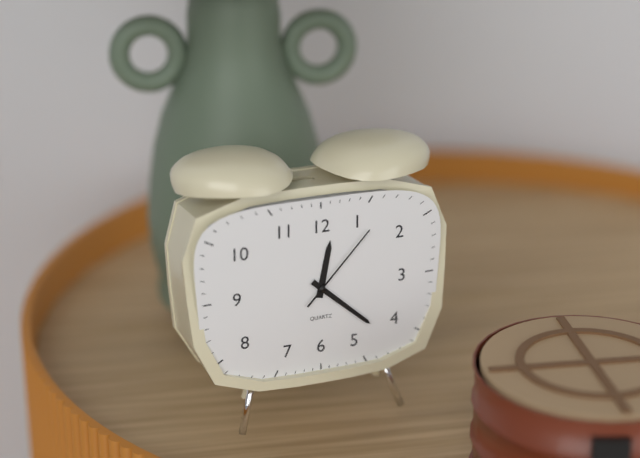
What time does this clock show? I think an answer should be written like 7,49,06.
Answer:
12,22,07
